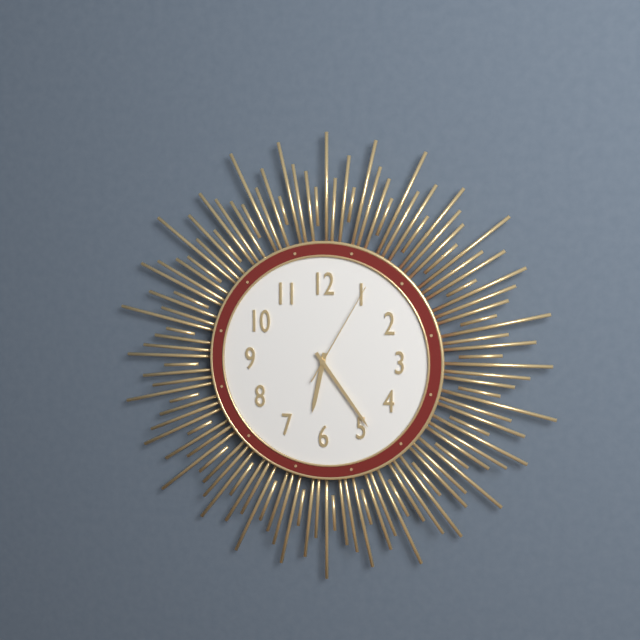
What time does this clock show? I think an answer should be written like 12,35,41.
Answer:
6,24,05
